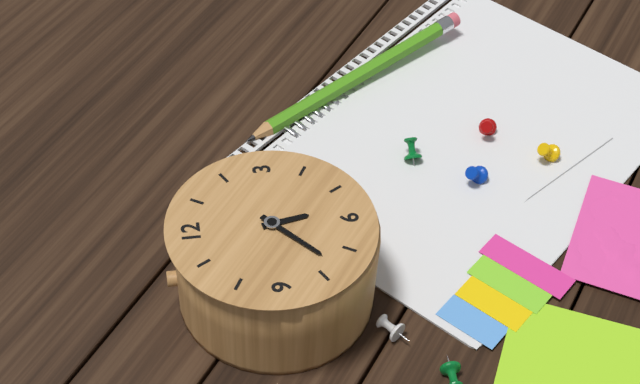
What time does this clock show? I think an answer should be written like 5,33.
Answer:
5,38
